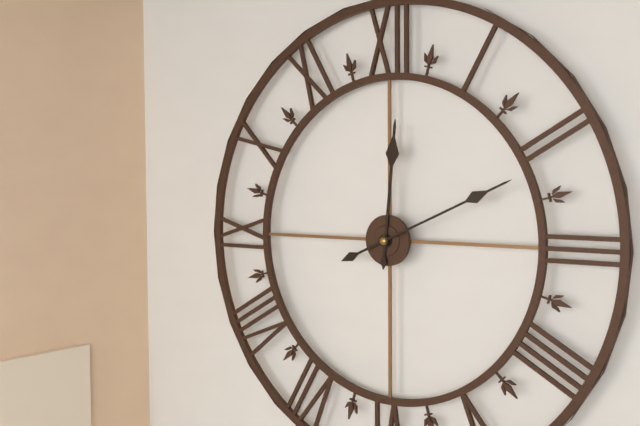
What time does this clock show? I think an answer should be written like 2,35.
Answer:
12,11
